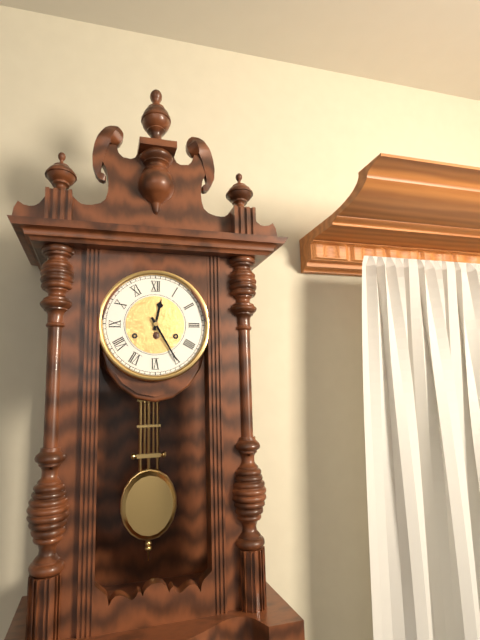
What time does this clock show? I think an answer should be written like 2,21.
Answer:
12,25
